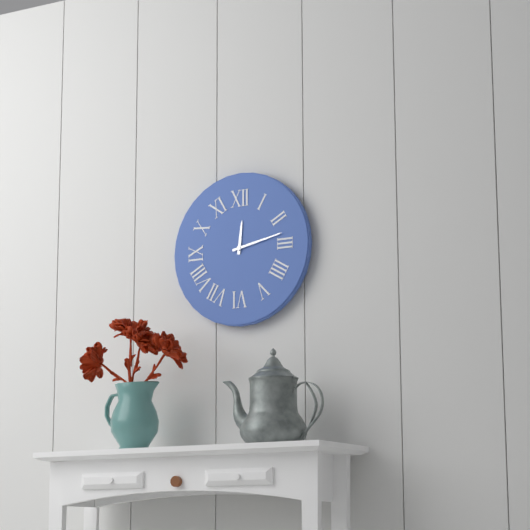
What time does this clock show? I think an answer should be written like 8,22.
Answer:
12,13
